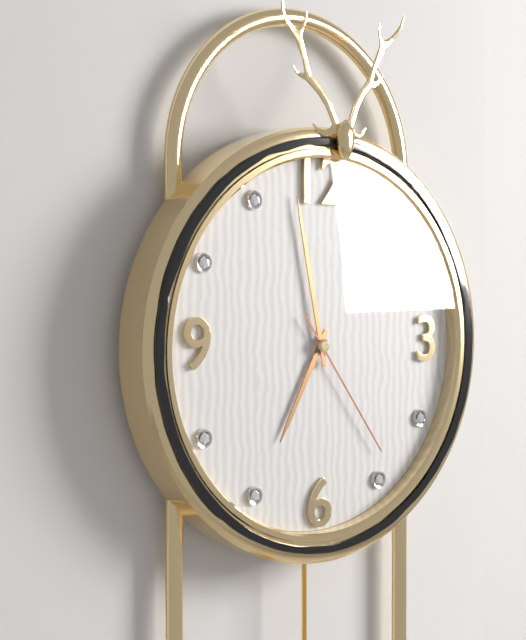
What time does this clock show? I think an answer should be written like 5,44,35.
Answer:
6,58,24
